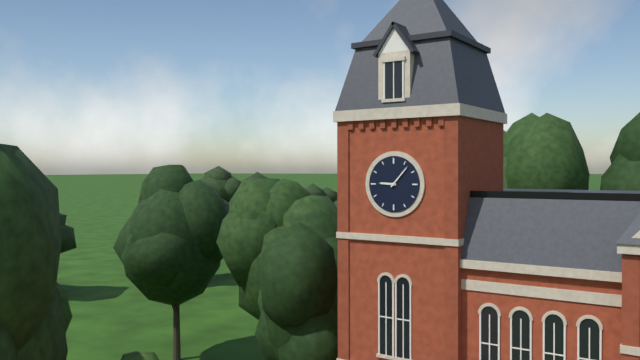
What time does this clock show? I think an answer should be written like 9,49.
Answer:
9,07
